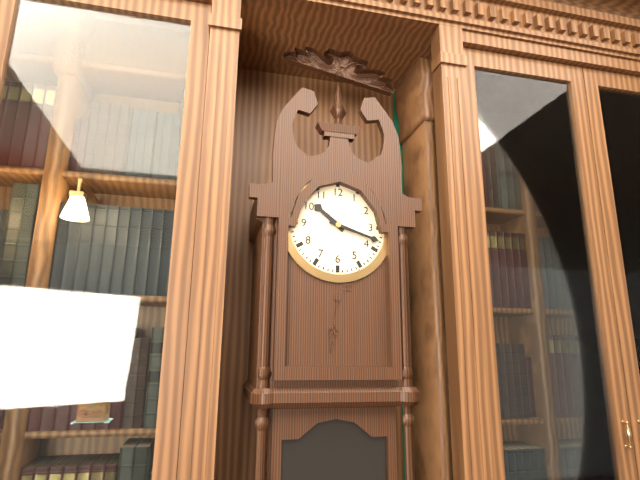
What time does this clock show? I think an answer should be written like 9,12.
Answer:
10,18
